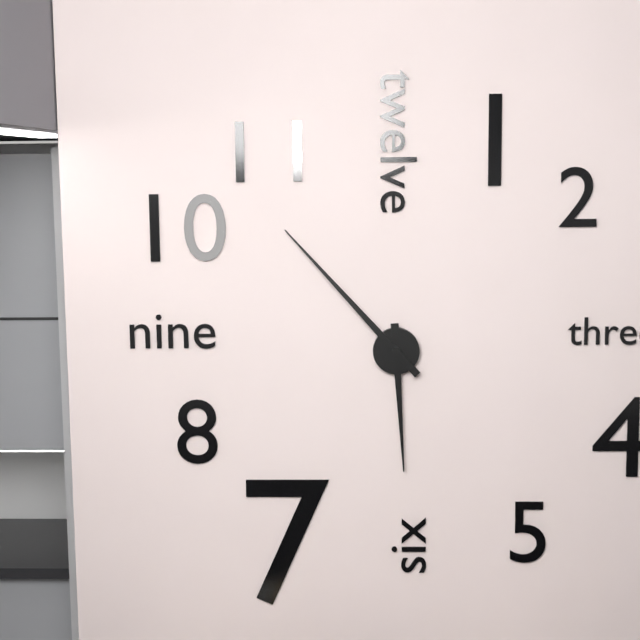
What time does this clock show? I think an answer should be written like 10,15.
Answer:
5,53
